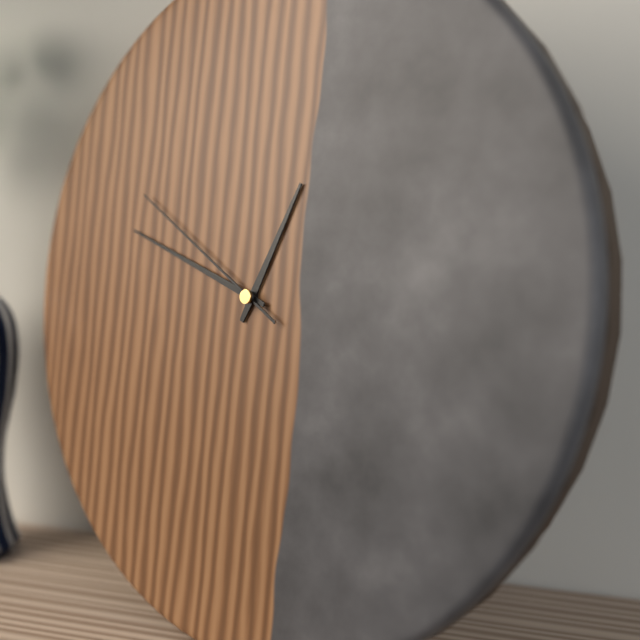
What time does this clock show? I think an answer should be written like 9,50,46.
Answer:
12,48,50
